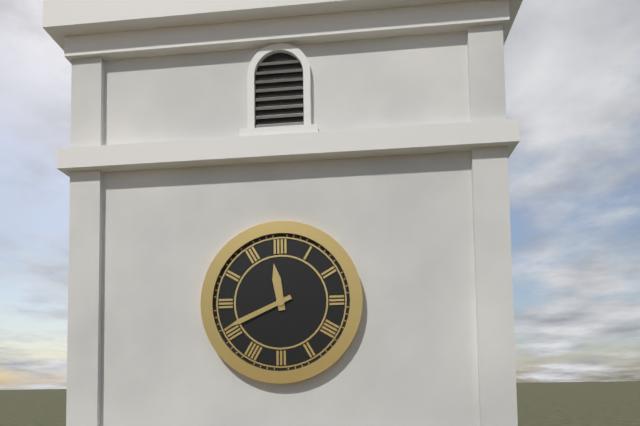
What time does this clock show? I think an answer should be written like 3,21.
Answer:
11,41
